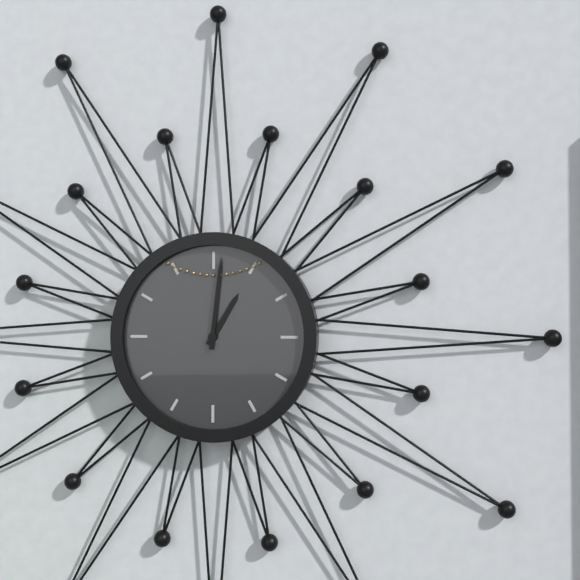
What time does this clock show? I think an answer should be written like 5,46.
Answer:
1,01
